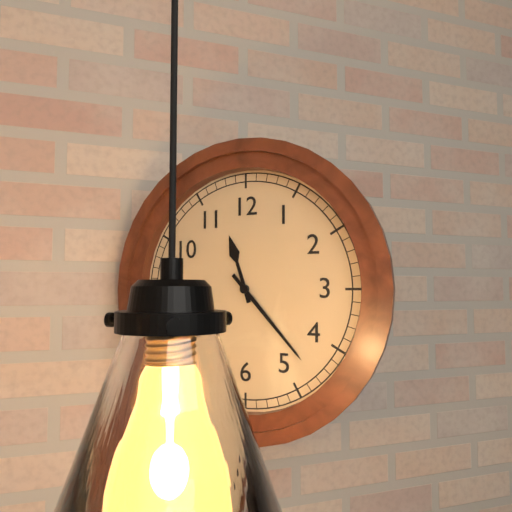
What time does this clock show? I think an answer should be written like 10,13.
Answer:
11,23
